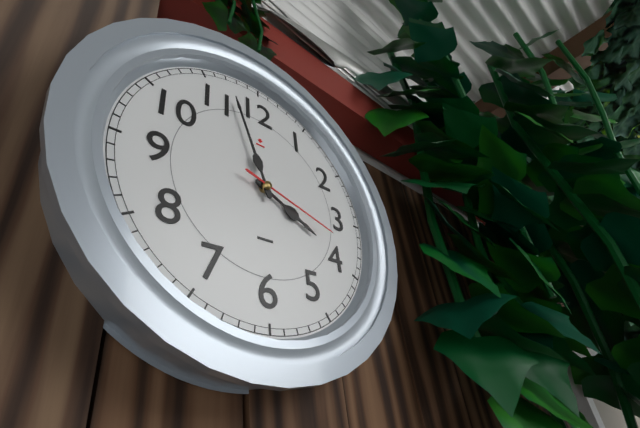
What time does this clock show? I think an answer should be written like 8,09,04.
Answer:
3,57,18
